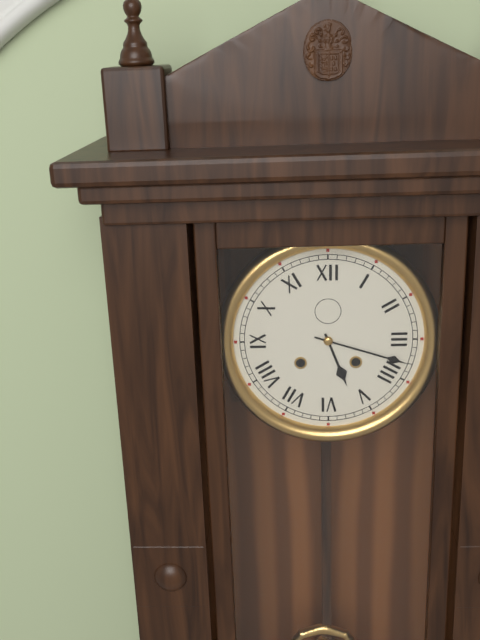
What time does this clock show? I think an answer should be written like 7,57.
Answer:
5,18
